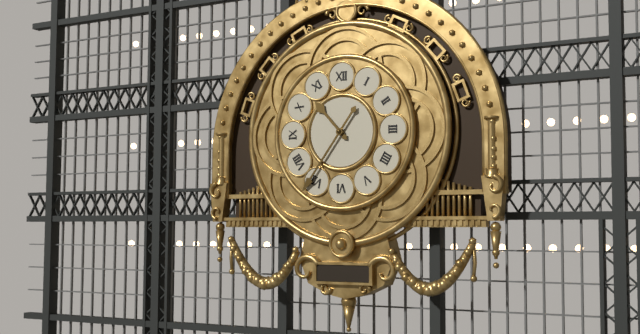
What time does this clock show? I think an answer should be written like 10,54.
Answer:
10,36
